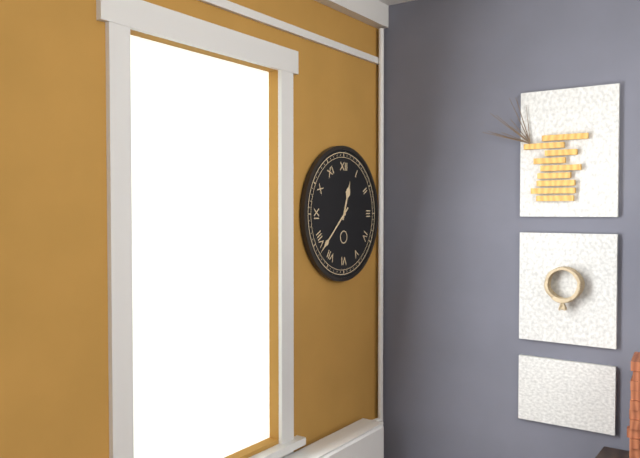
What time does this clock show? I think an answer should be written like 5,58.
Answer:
12,38
